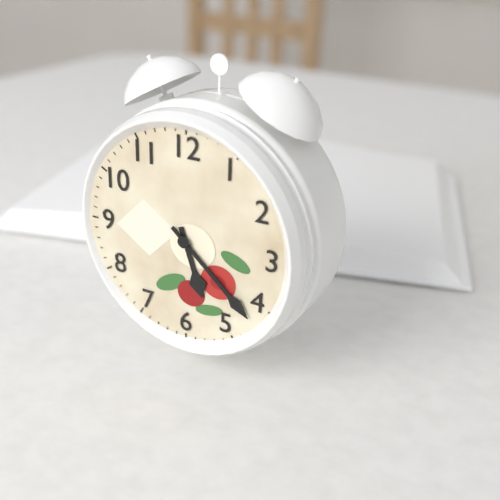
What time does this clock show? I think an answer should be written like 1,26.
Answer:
5,22
